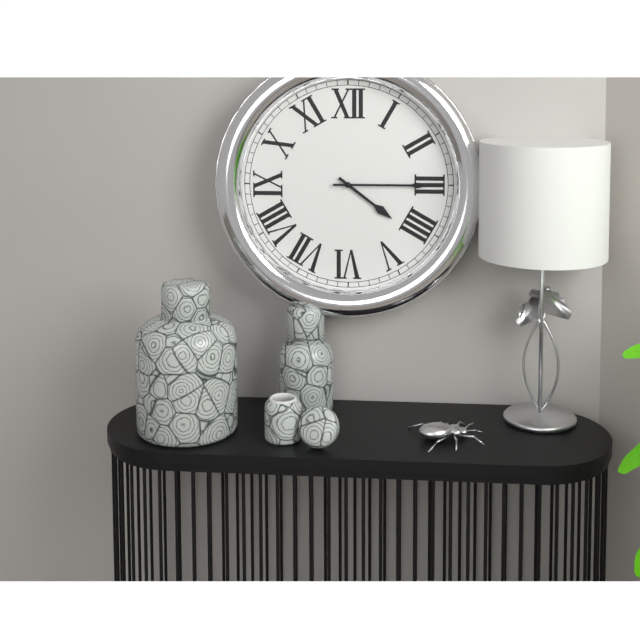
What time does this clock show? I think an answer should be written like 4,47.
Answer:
4,15
